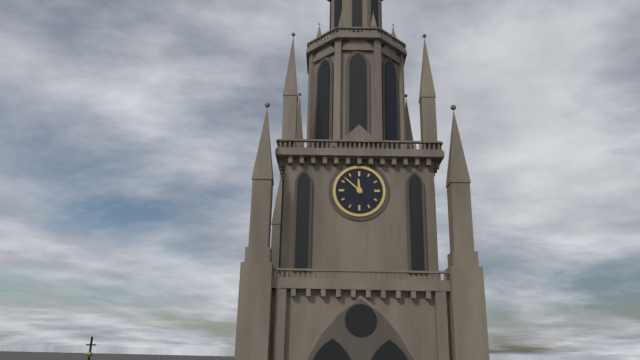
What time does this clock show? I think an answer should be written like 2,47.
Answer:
11,52
